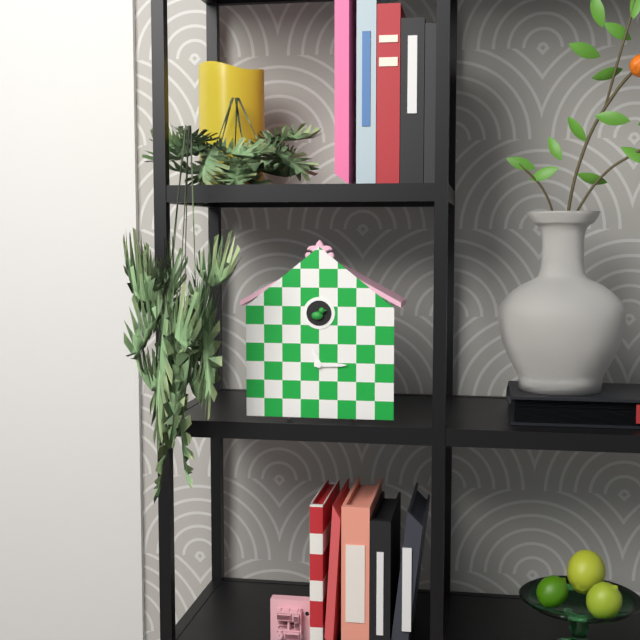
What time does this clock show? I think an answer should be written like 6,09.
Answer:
11,15
